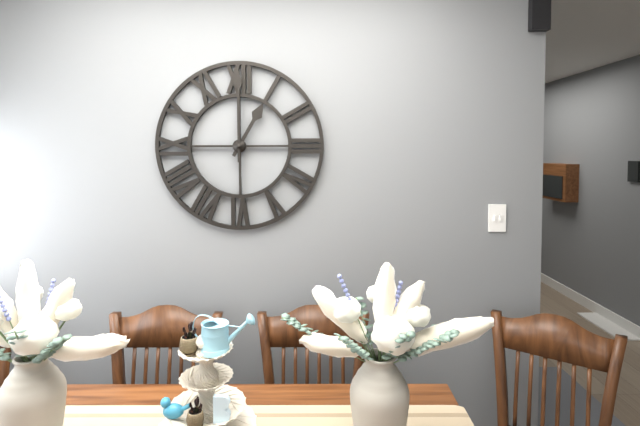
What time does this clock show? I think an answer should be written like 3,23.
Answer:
1,00
